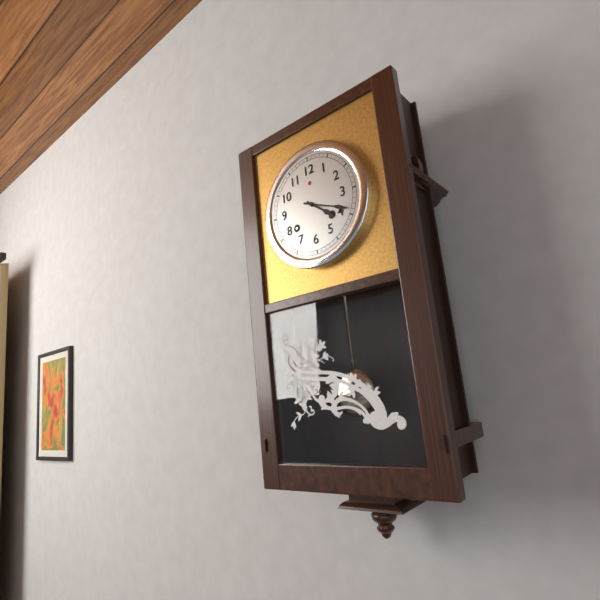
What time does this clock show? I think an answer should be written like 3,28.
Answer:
4,19
